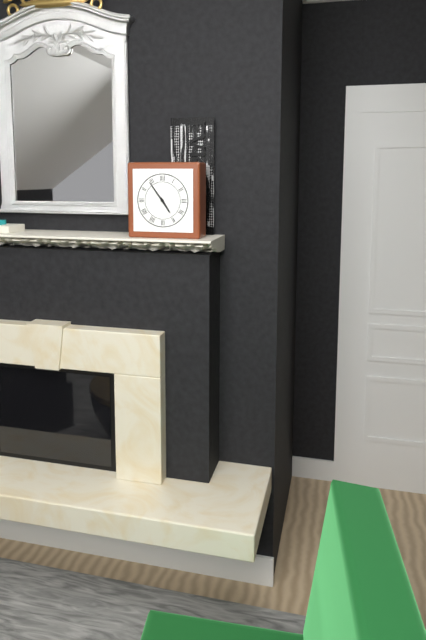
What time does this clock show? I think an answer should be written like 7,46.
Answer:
4,54
